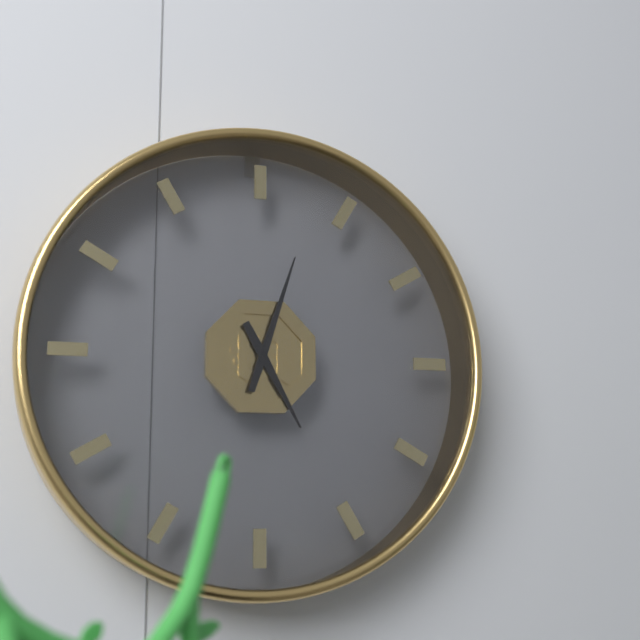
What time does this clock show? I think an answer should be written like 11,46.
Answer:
5,03
